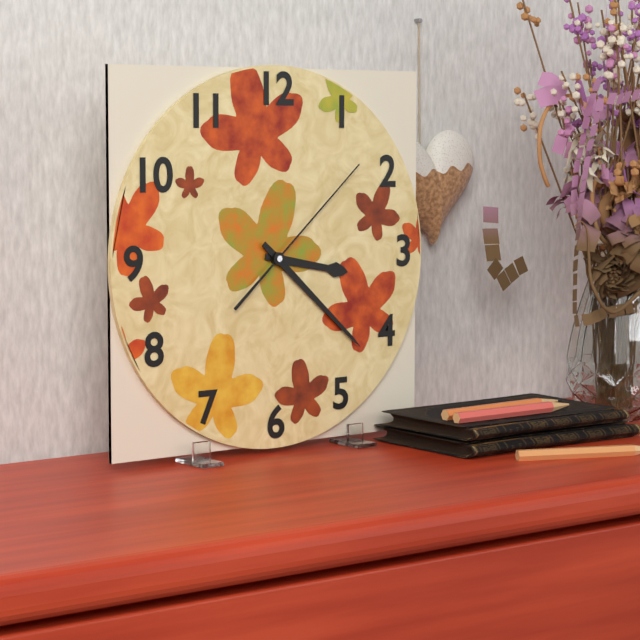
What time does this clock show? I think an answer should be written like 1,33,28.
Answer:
3,22,08
